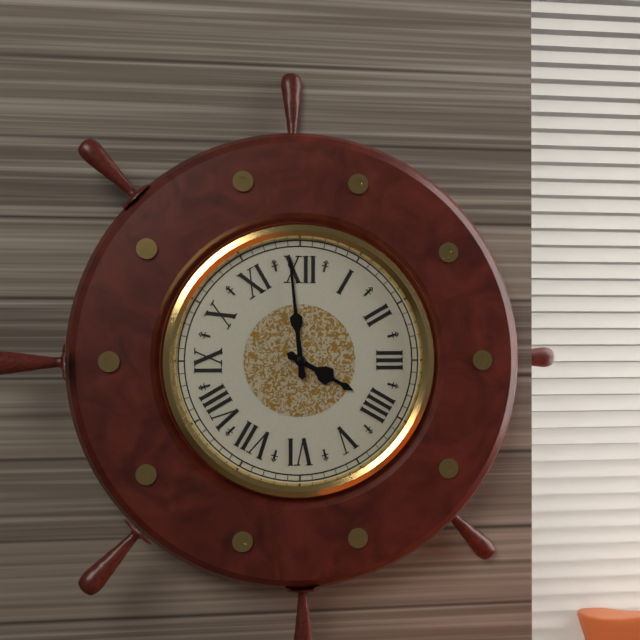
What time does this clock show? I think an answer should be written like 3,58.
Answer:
3,59
